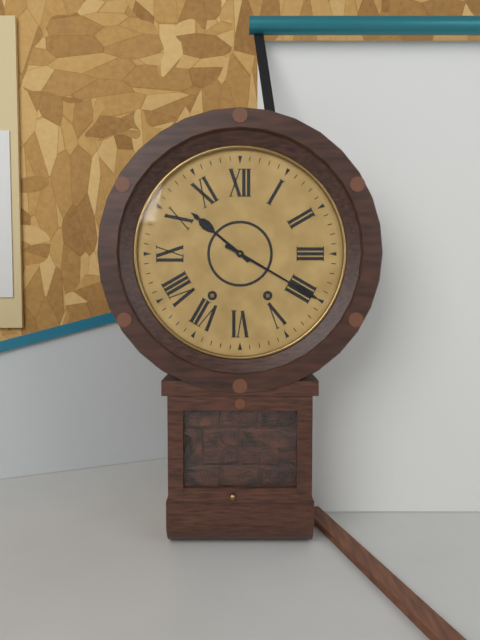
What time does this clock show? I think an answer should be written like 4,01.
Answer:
10,20
